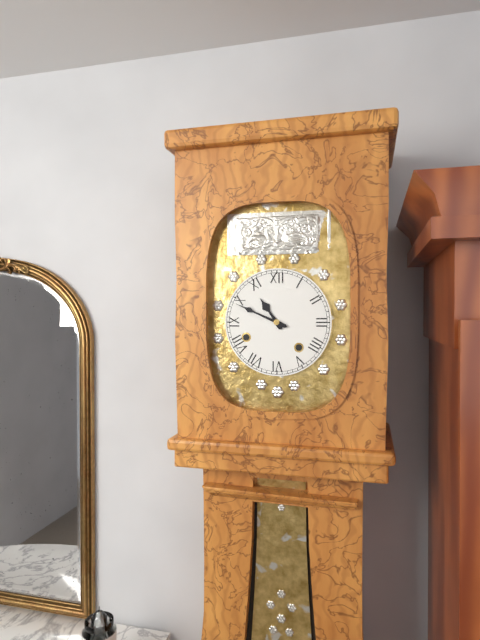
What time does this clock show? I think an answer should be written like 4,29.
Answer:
10,49
